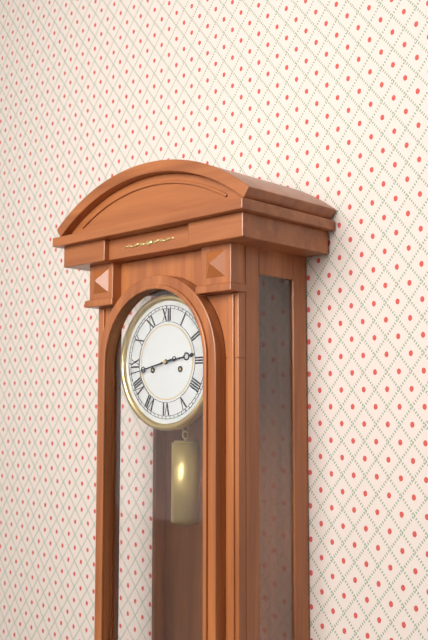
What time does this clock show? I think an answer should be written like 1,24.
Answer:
2,43
